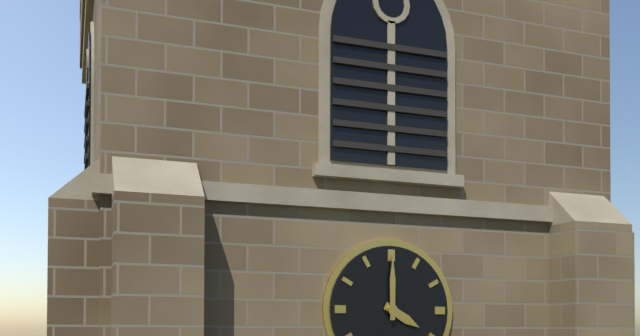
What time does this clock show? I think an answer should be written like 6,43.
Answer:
4,00
